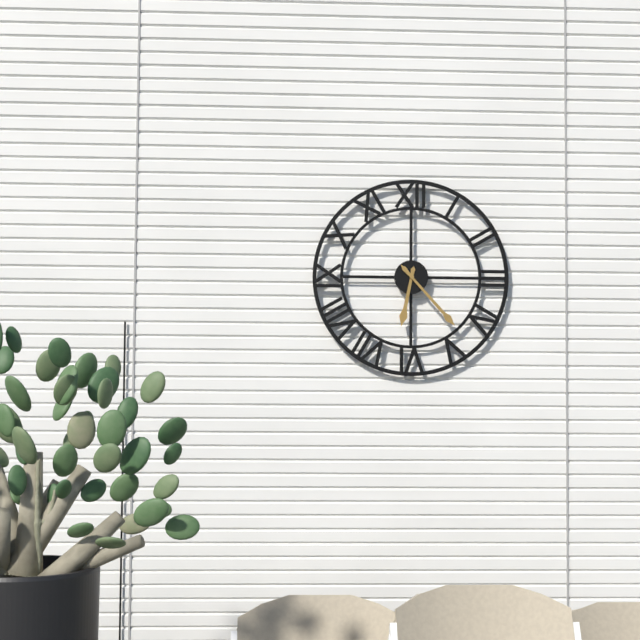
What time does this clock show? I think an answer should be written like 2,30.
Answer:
6,23
